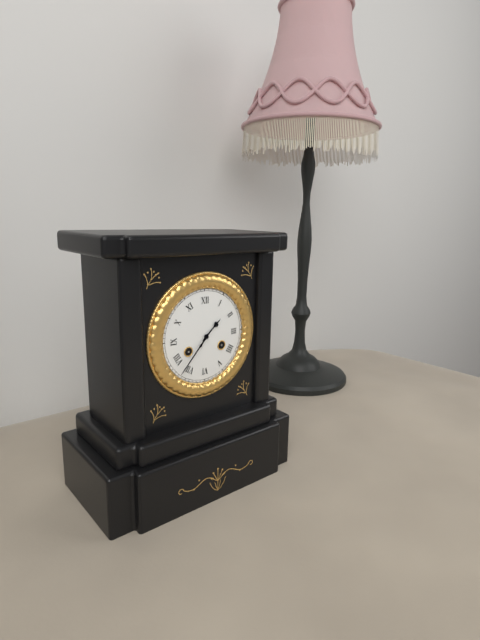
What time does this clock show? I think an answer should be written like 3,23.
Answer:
1,37
